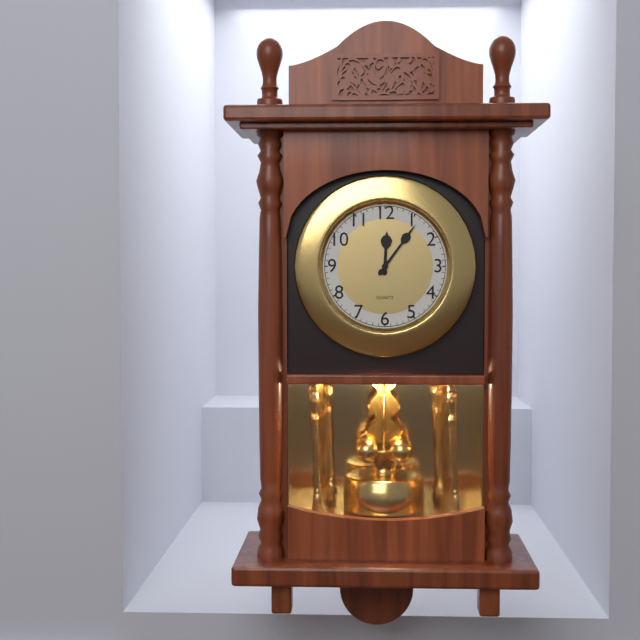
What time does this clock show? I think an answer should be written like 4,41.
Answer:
12,06
